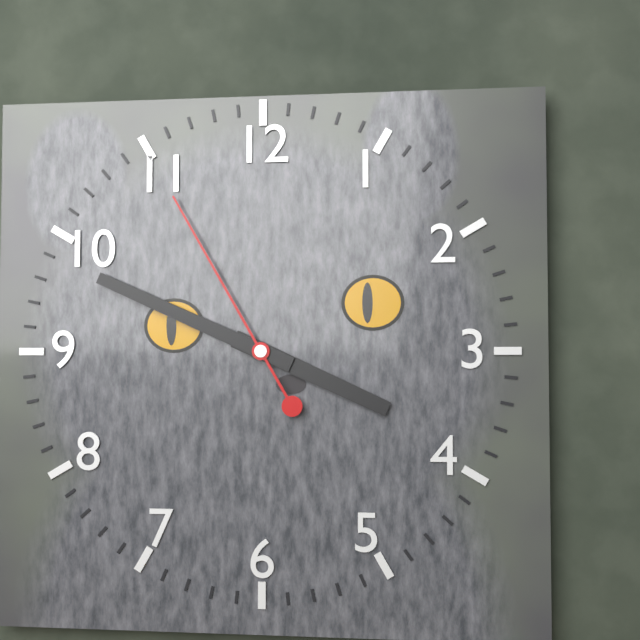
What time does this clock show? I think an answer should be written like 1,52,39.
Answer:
3,49,55
